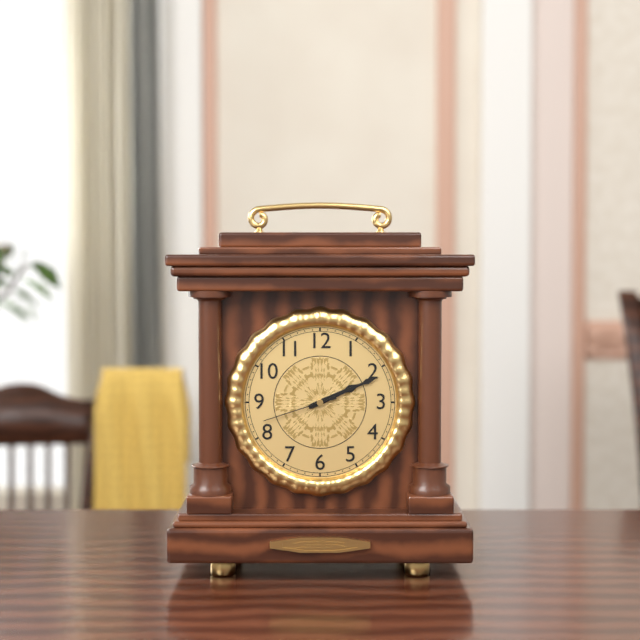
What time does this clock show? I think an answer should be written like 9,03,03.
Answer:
2,11,42
